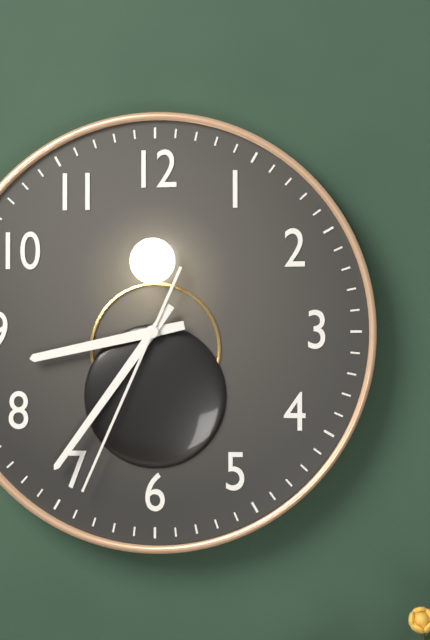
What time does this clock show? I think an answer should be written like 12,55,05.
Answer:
8,36,34
